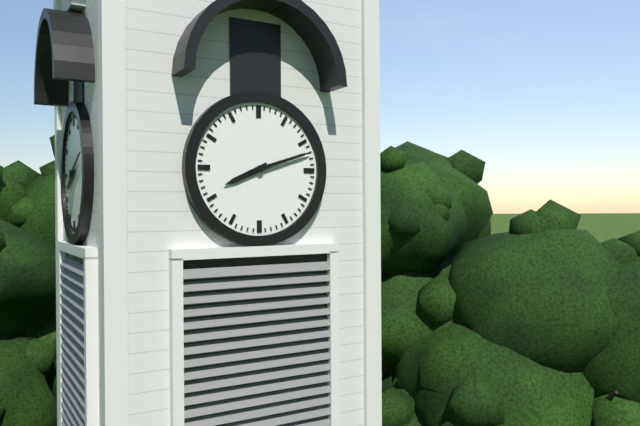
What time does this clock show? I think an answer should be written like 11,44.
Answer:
8,12
